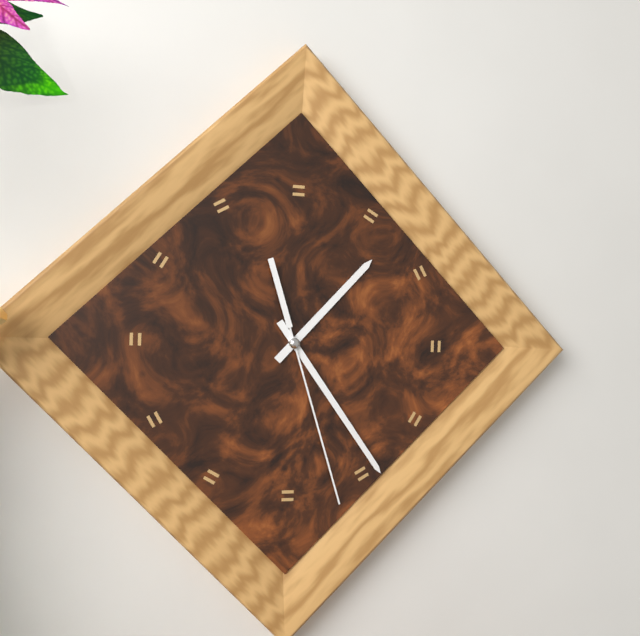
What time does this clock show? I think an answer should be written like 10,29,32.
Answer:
1,24,27
